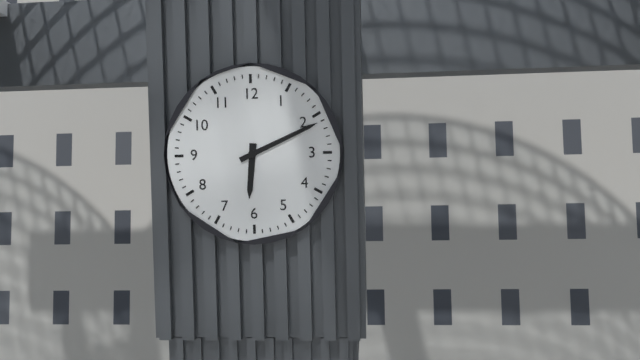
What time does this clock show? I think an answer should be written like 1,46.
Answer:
6,11
